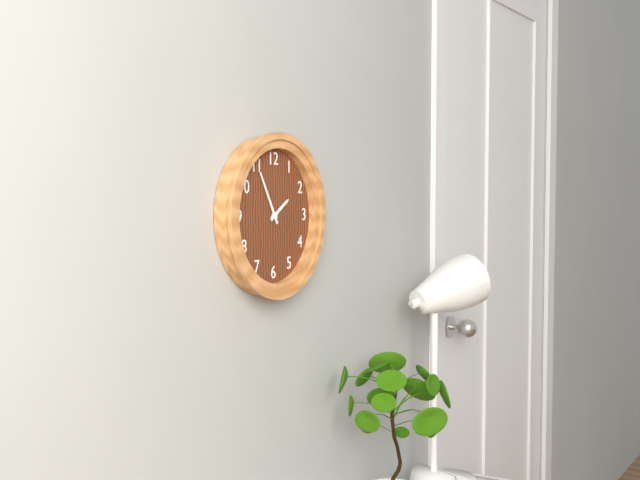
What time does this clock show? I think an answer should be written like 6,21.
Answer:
1,55
